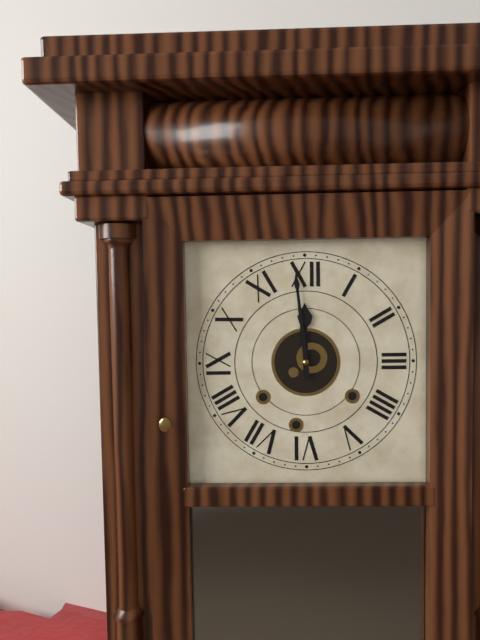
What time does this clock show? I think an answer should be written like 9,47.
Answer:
11,59
